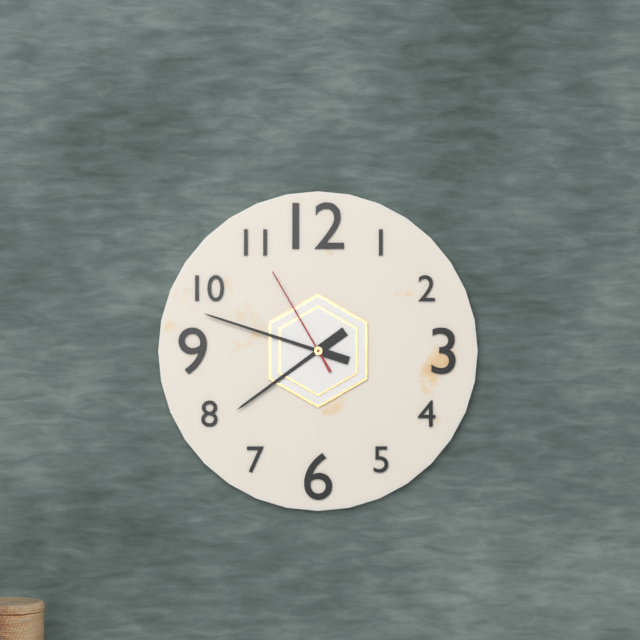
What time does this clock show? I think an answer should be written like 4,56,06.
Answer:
7,48,55
